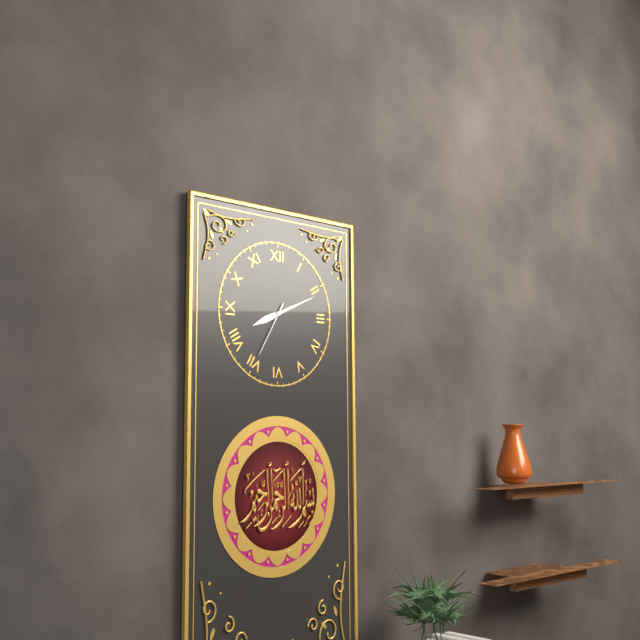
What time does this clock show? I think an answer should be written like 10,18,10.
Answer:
8,11,35
